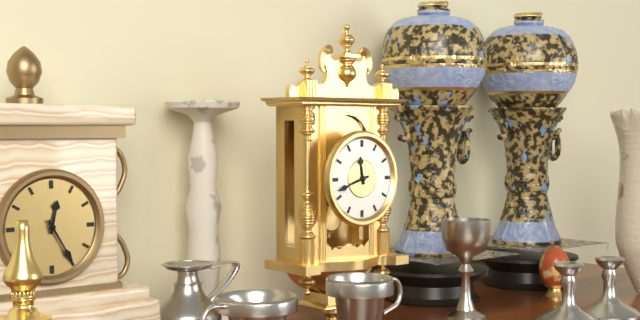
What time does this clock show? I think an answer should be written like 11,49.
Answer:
11,42
